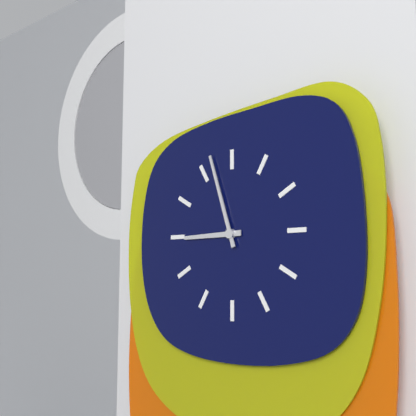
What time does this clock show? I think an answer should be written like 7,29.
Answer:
8,57
